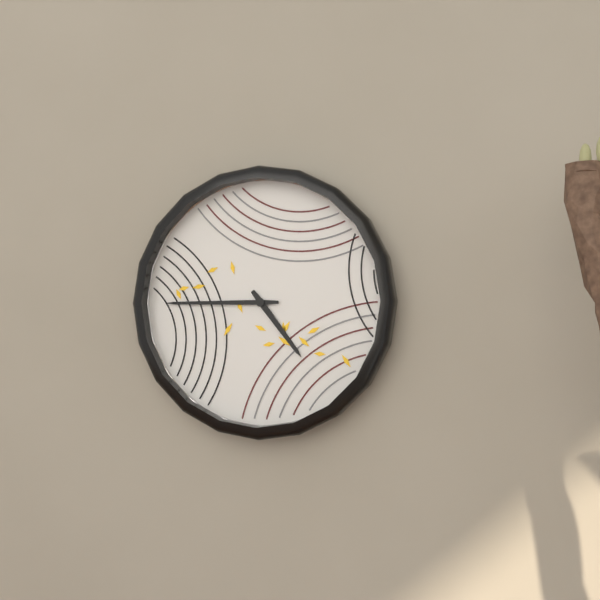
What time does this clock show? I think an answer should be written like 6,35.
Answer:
4,45
